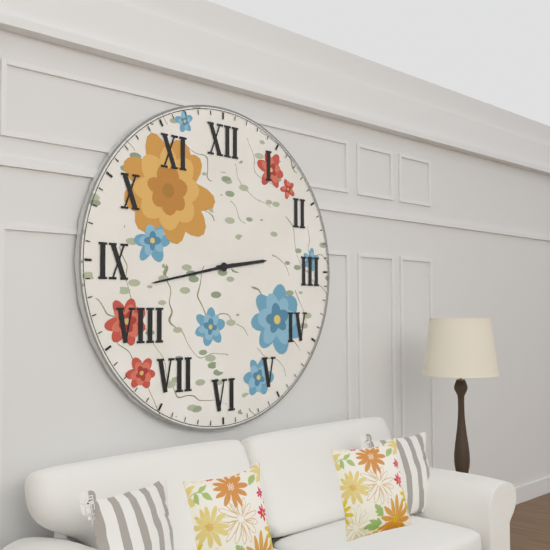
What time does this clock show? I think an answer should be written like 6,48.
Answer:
2,43
